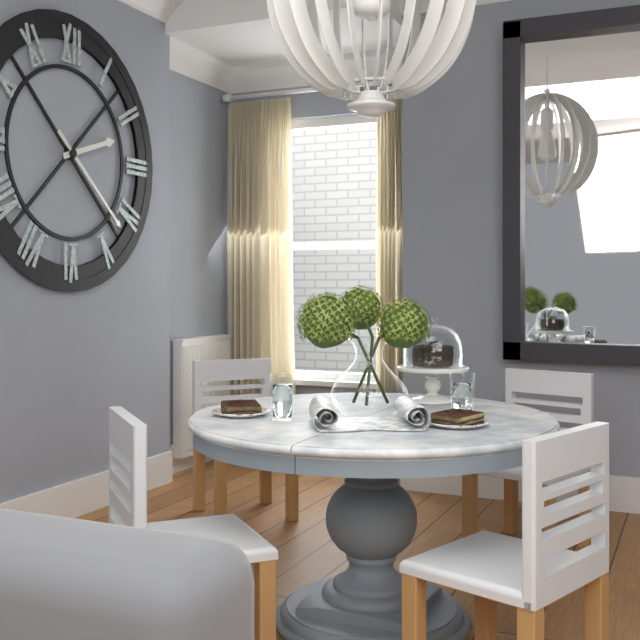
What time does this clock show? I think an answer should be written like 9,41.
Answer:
2,22
